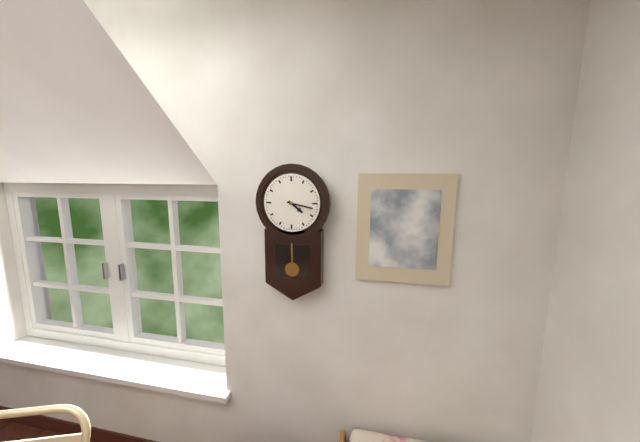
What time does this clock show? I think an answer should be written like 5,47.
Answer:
4,17
